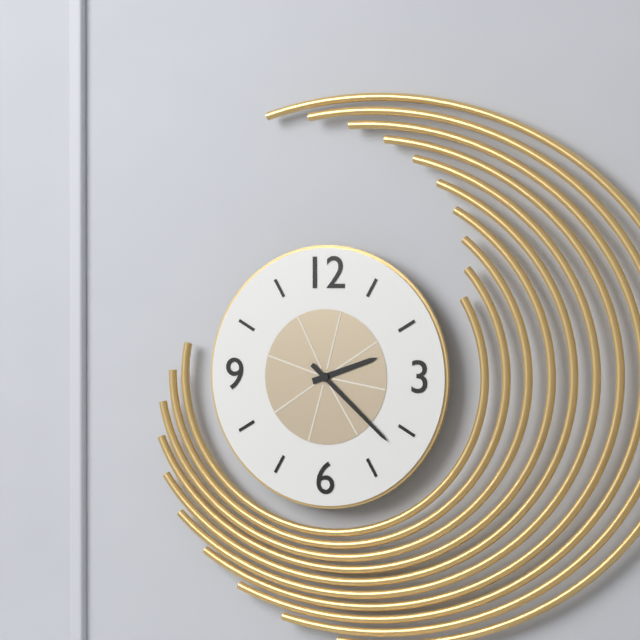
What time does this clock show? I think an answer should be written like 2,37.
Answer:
2,22
